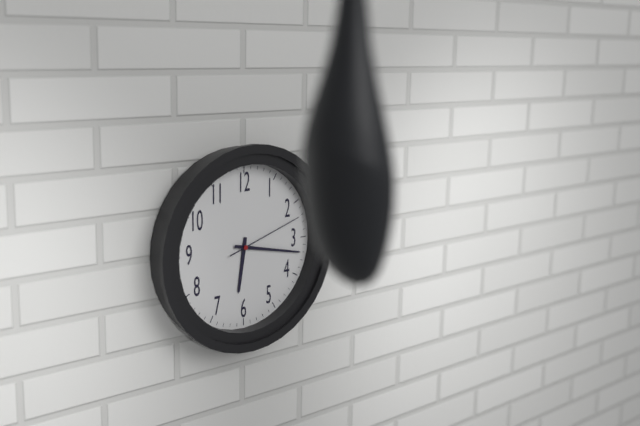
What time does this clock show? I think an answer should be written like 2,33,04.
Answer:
6,17,12
